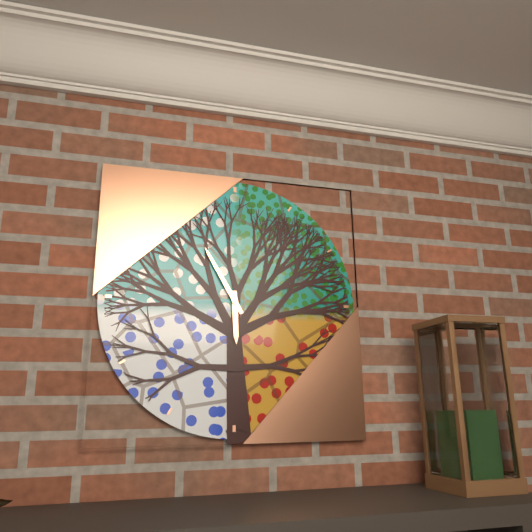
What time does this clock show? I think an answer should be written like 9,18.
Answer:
5,55
